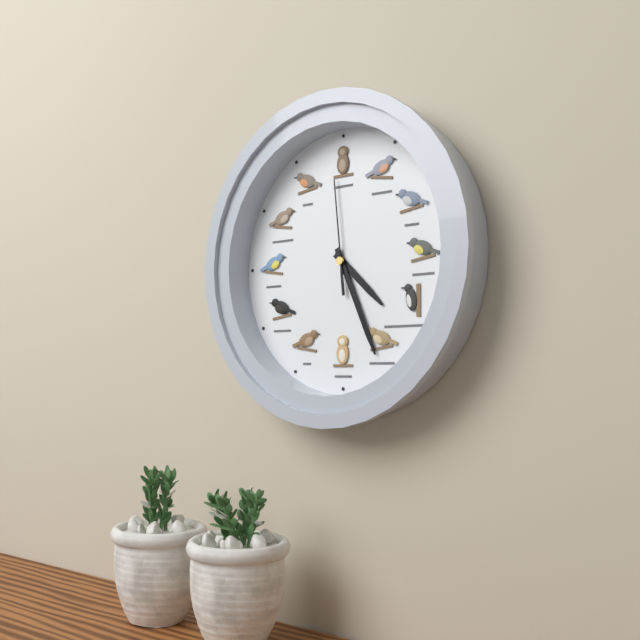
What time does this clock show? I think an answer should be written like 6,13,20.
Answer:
4,26,59
